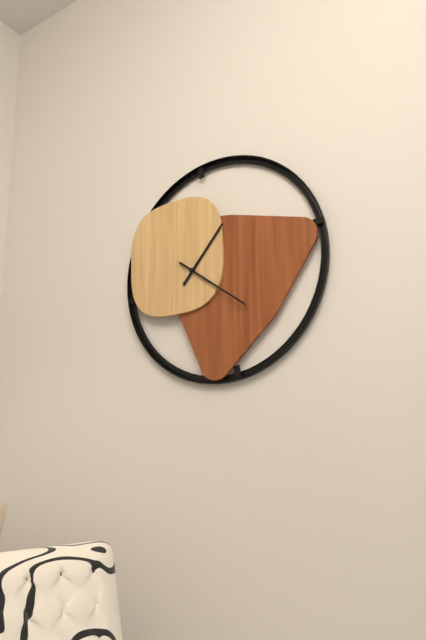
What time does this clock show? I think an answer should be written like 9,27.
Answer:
1,21
